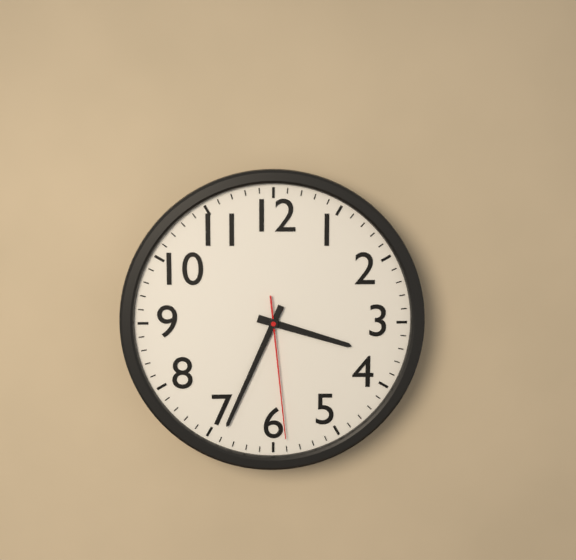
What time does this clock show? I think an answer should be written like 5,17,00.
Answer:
3,34,29
